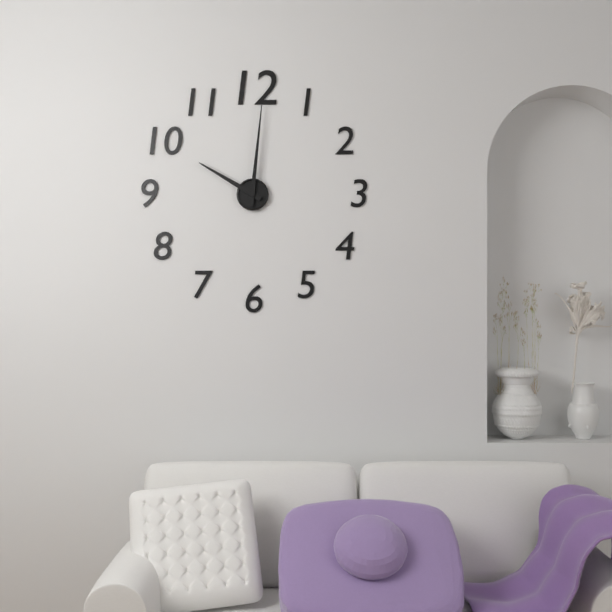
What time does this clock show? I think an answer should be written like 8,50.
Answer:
10,01
